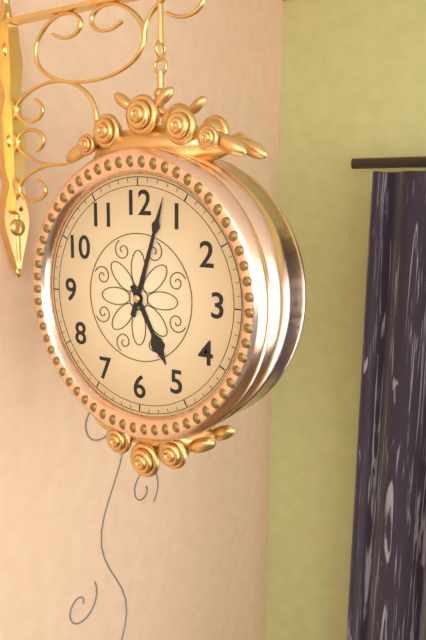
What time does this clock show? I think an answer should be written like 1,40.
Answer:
5,03
